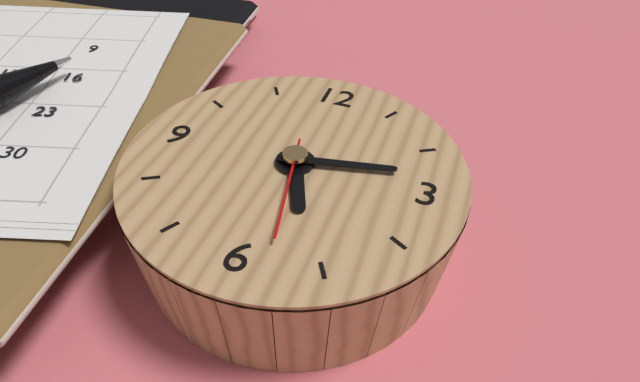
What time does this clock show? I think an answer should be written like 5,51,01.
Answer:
5,13,28
